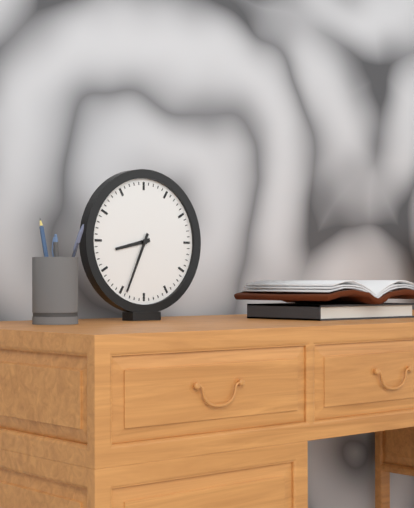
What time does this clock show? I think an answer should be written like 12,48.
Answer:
8,34
